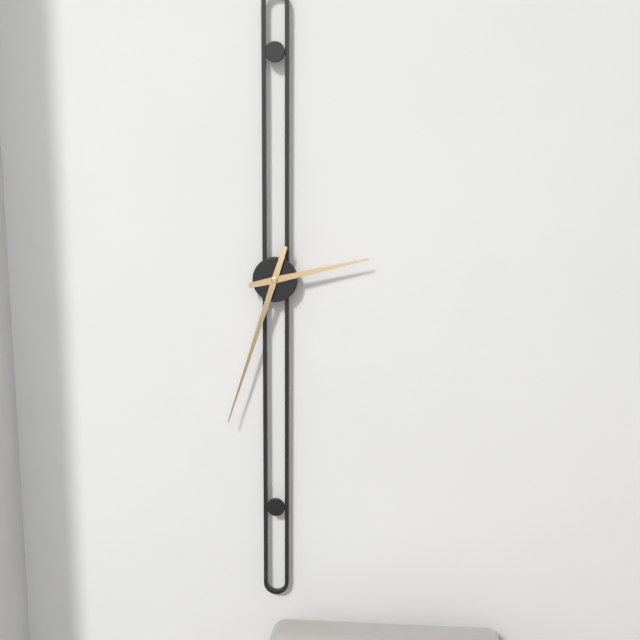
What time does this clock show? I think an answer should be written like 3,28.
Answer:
2,33
